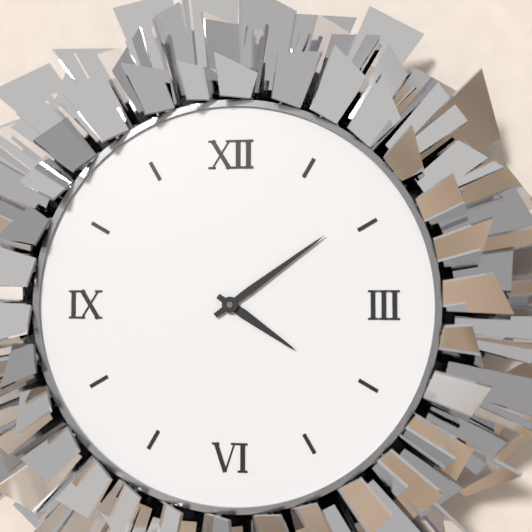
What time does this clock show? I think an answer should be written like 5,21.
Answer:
4,09
